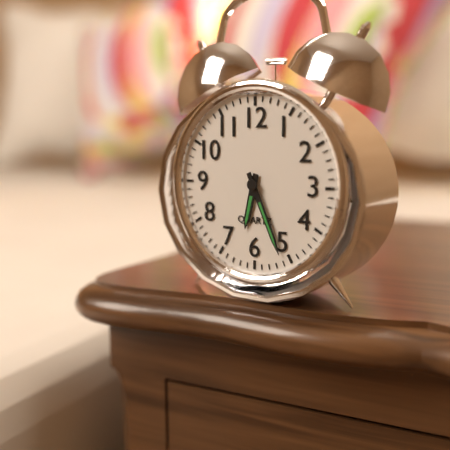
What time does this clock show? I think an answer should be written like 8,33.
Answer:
6,26
